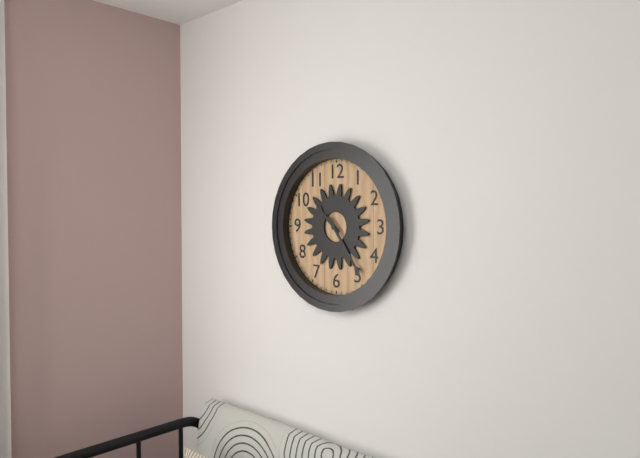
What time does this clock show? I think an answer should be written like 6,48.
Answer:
10,24
